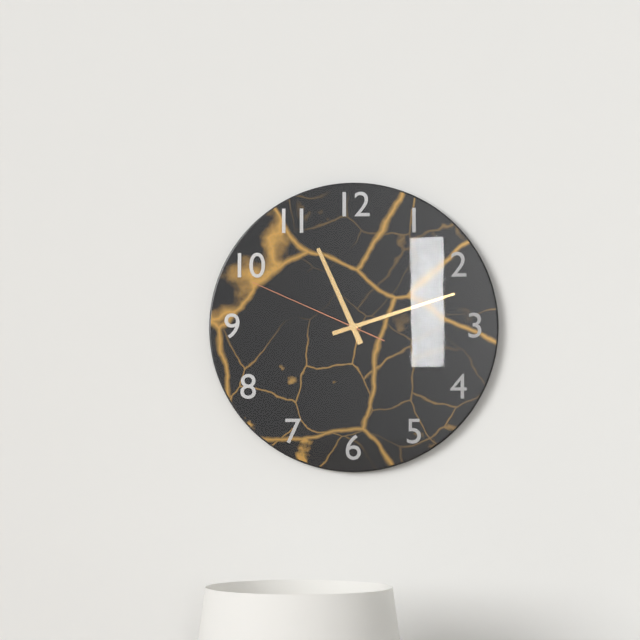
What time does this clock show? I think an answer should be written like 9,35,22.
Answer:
11,12,49
